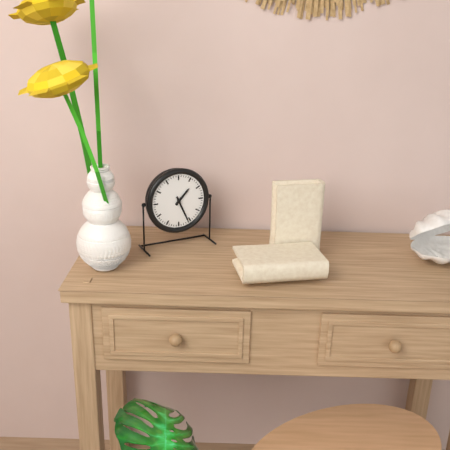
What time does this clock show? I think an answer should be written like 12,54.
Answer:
1,26
